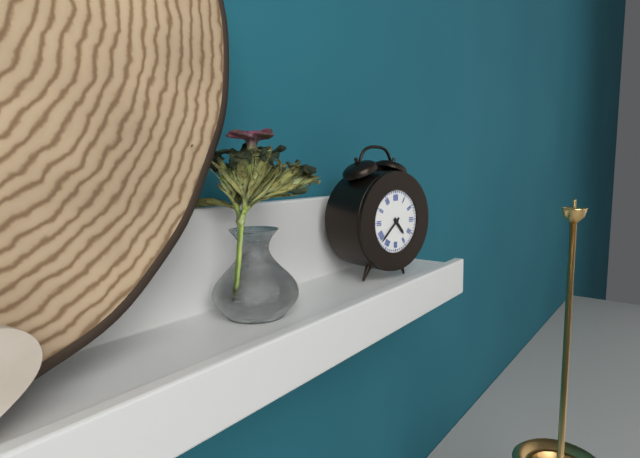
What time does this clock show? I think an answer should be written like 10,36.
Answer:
4,38
